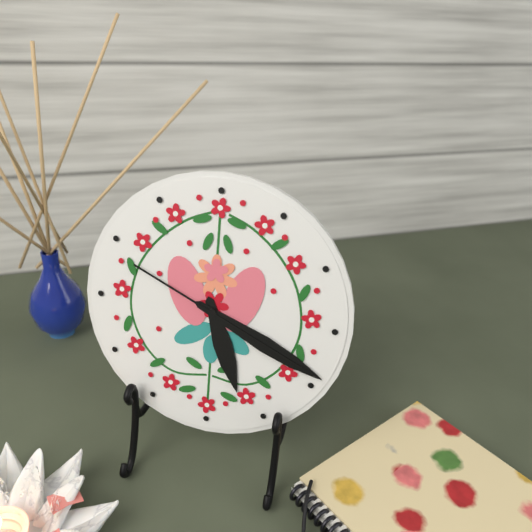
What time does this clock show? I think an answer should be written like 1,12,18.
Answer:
5,19,19
